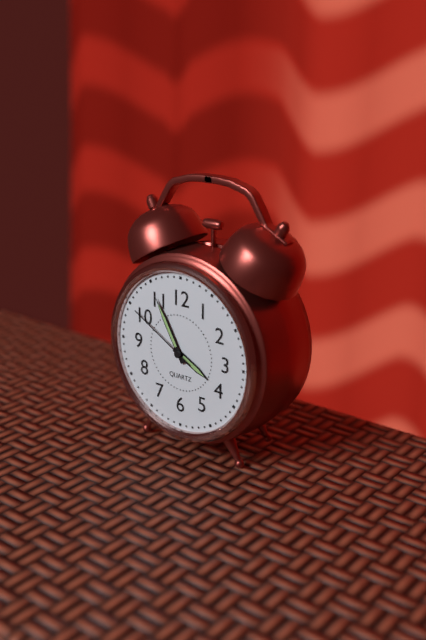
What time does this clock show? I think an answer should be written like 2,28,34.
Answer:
3,55,50
